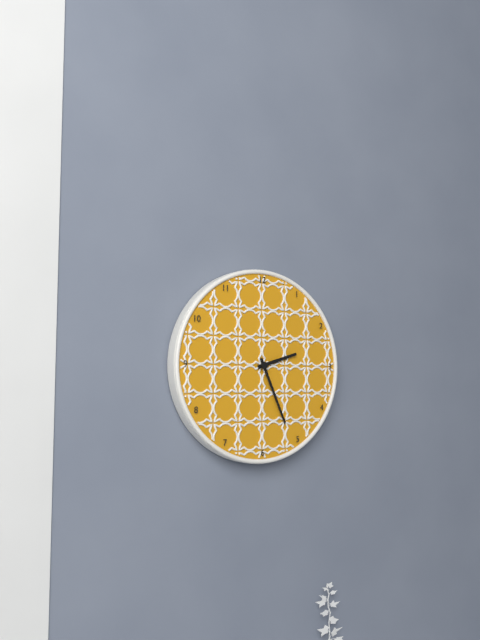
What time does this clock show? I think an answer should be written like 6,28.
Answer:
2,26
